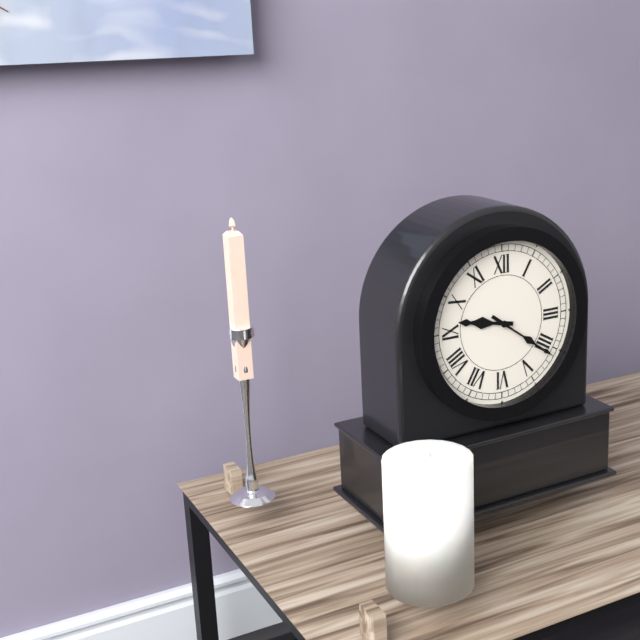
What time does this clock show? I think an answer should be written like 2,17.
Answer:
9,21
